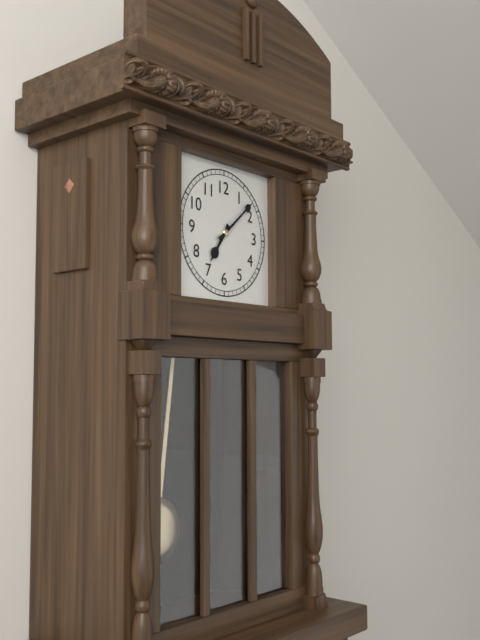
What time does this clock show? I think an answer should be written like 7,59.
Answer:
7,08
